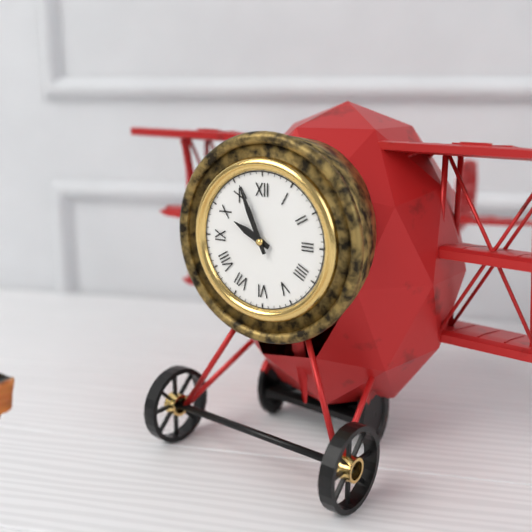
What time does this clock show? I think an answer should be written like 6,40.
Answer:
9,56
